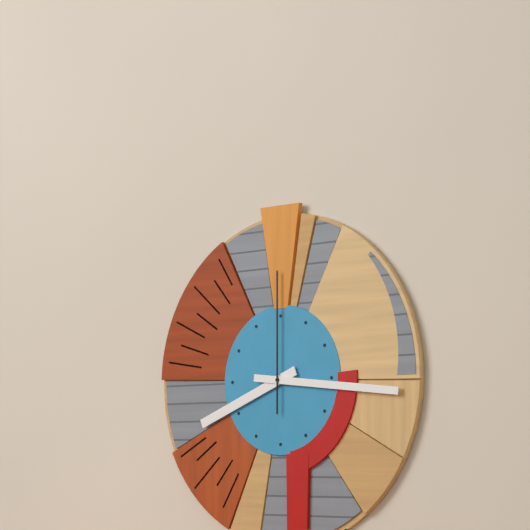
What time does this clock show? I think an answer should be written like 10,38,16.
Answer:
8,16,00
